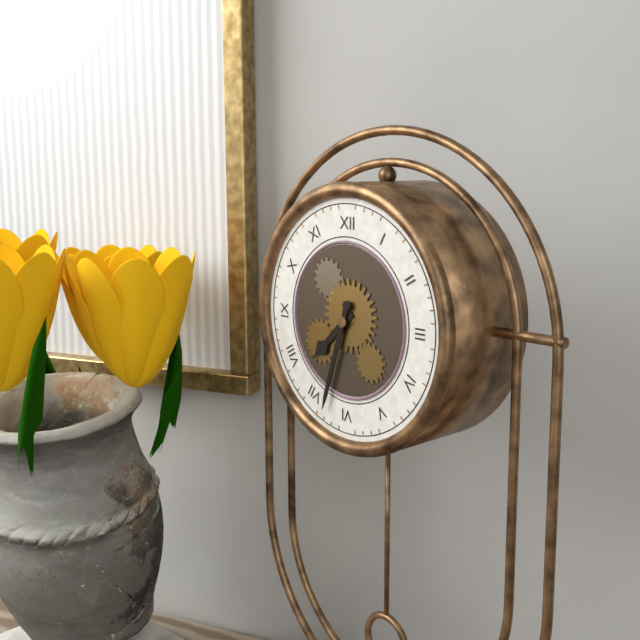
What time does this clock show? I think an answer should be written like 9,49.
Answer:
7,33
